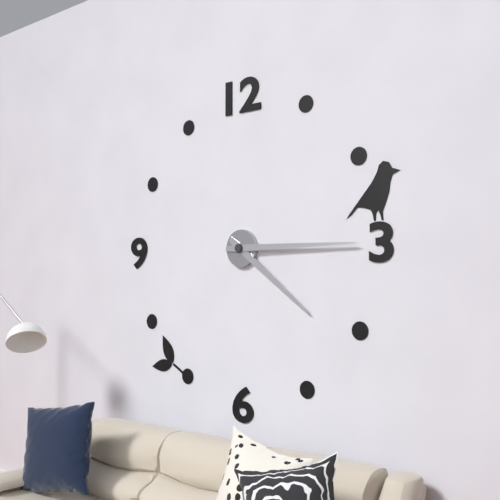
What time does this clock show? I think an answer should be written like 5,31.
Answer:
4,15
